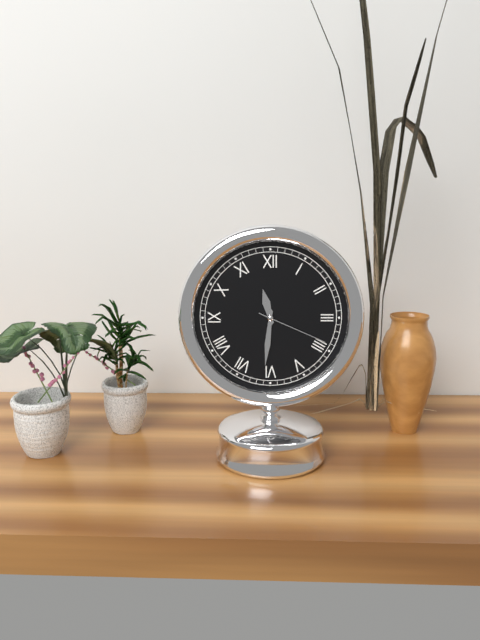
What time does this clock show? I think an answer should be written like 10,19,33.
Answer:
11,31,19
